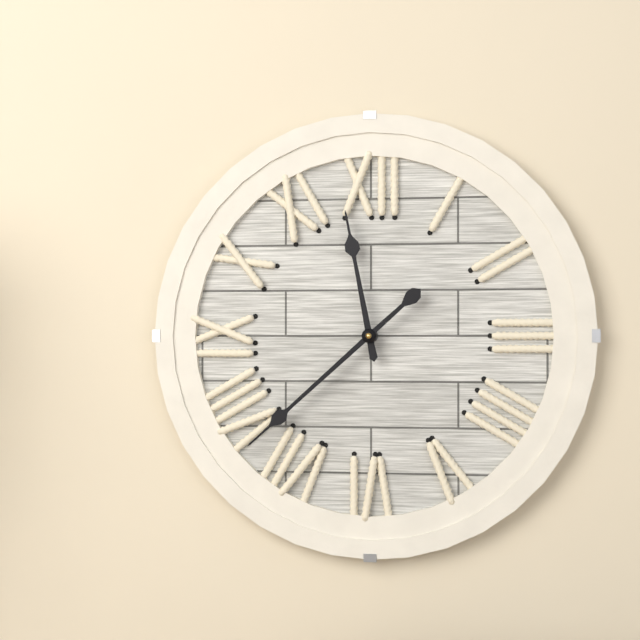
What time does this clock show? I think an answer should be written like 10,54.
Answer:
11,38
